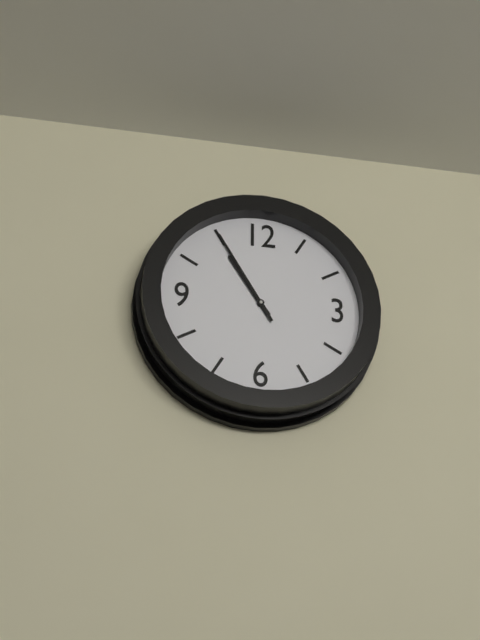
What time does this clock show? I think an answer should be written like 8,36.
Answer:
10,55
